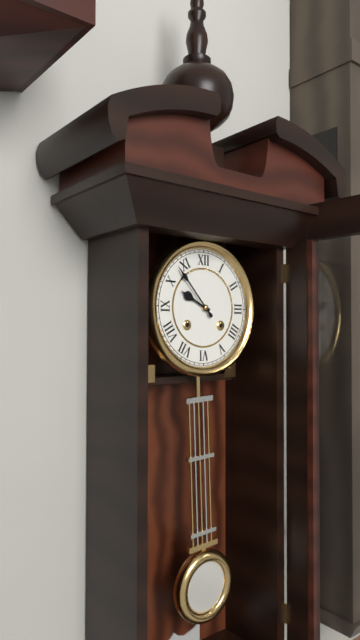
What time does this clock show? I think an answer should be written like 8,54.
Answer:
9,53
